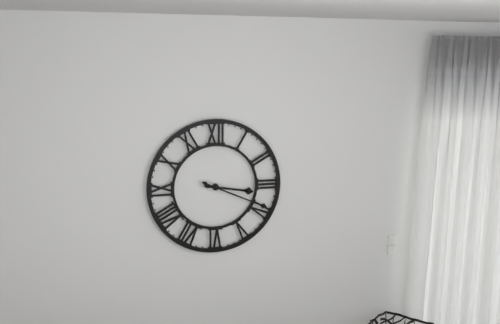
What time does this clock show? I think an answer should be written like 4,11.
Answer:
3,19
